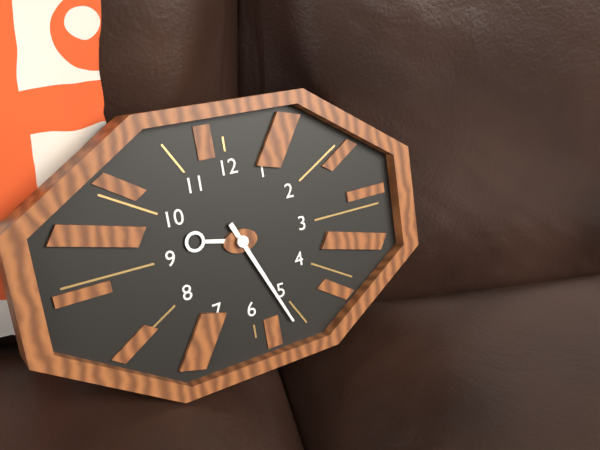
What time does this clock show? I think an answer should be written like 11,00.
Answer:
9,26
